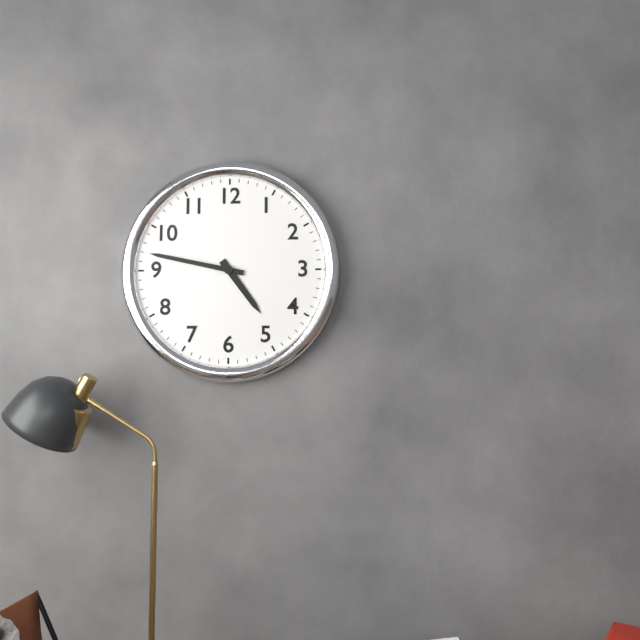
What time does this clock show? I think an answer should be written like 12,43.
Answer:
4,47
